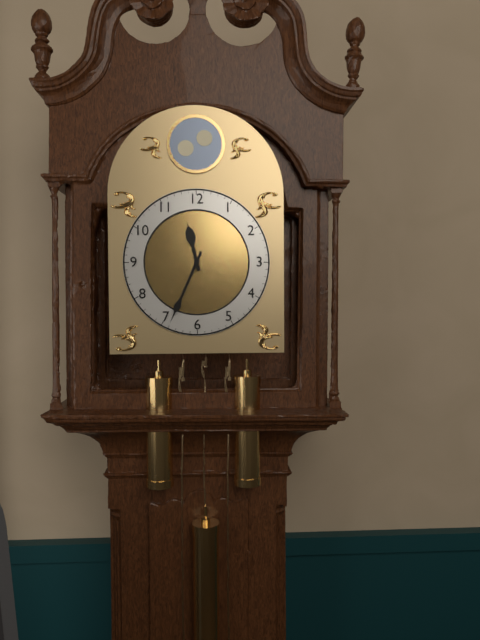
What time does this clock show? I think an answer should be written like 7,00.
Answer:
11,34
